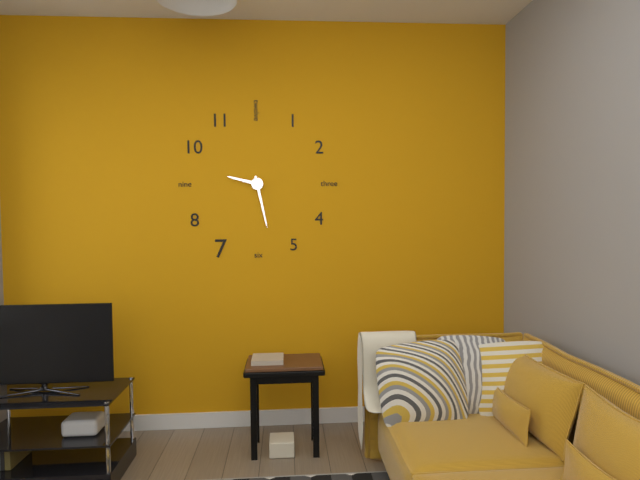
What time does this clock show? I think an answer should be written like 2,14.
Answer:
9,28
